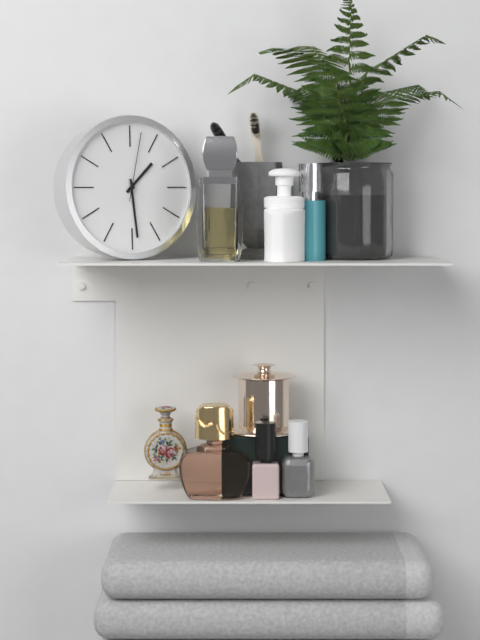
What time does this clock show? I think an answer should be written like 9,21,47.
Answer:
1,29,02
